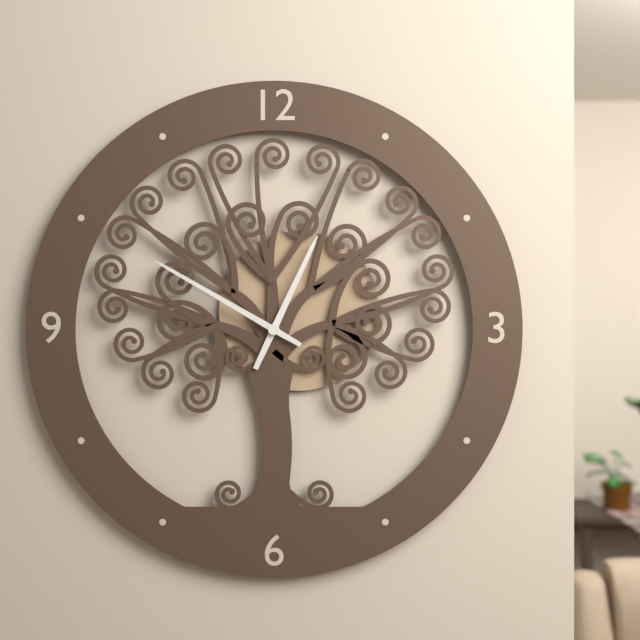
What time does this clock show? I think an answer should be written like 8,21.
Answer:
12,50
